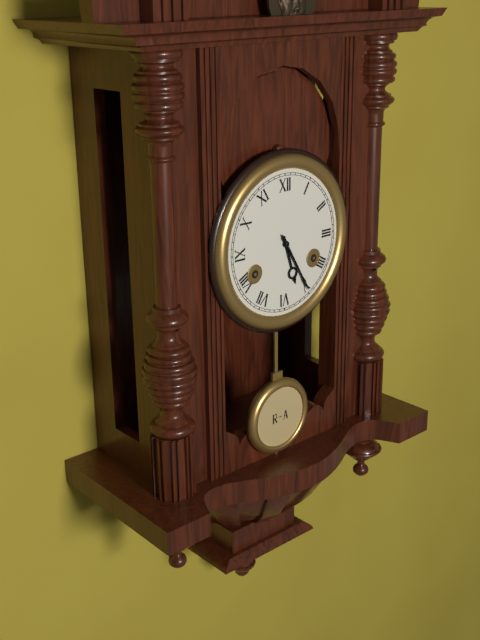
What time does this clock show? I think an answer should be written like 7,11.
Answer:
5,25
